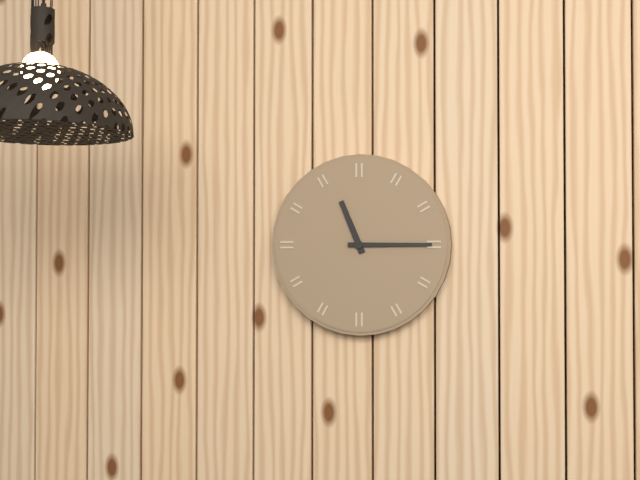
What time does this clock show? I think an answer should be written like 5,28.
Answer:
11,15
